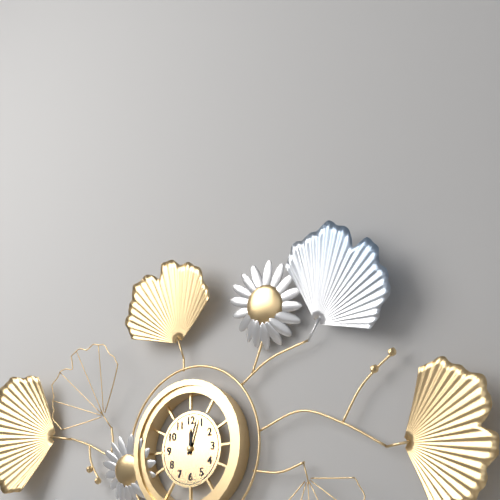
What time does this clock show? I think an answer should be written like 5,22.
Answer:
12,03
